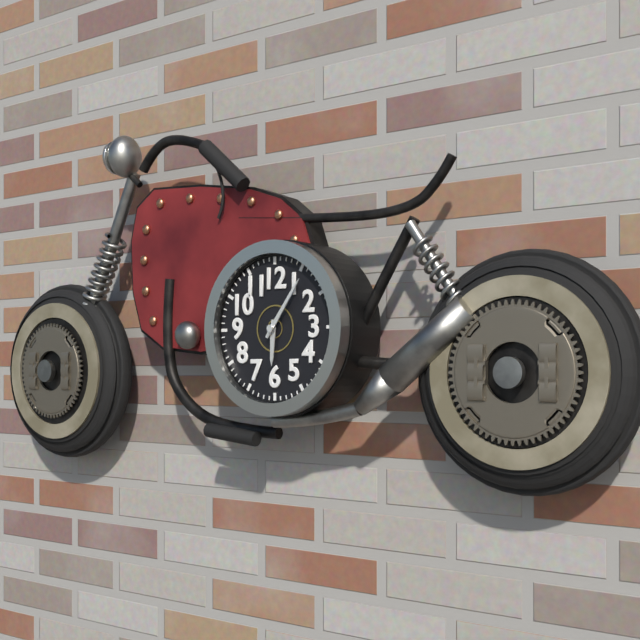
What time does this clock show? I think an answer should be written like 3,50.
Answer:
6,06
